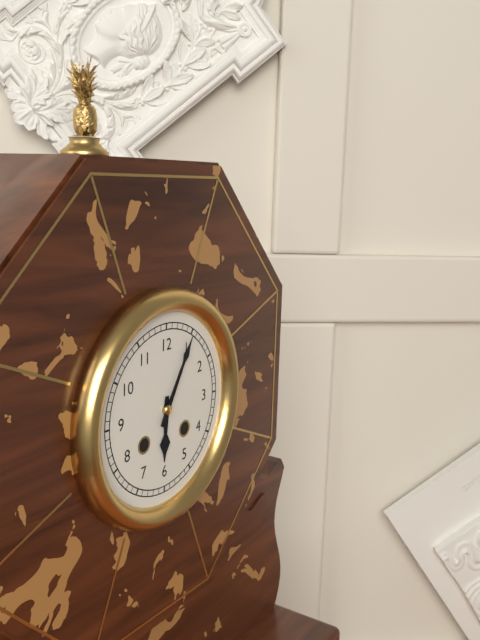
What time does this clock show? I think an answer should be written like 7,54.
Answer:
6,05
